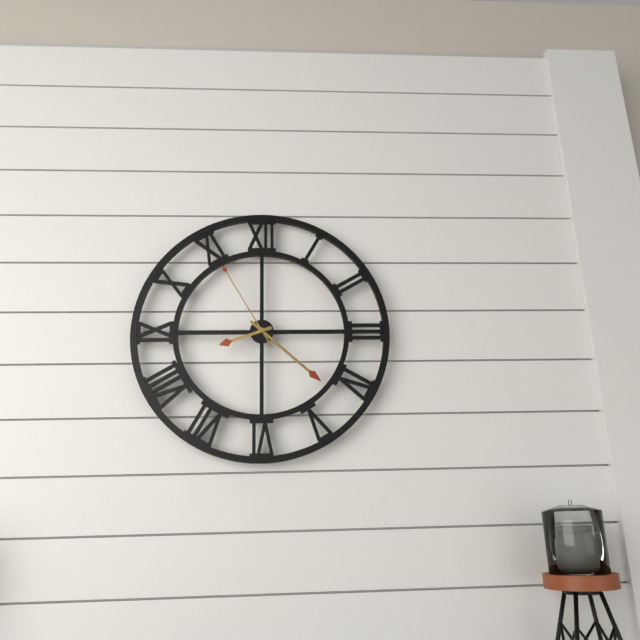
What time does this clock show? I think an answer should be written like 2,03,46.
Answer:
8,22,55
